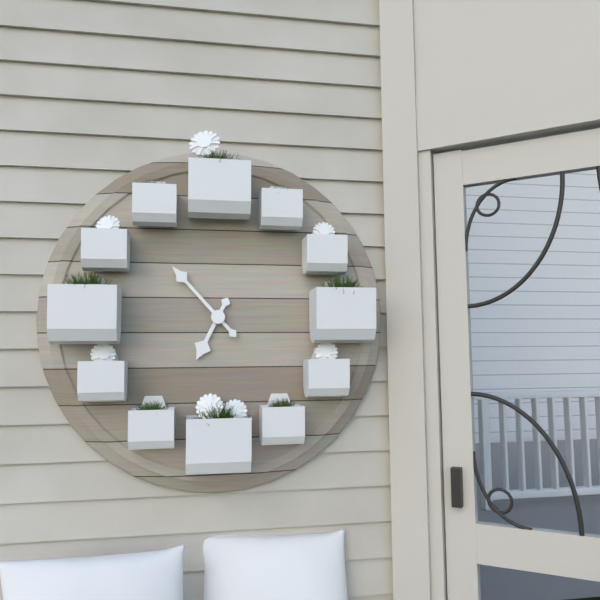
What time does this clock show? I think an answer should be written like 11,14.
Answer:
6,53
